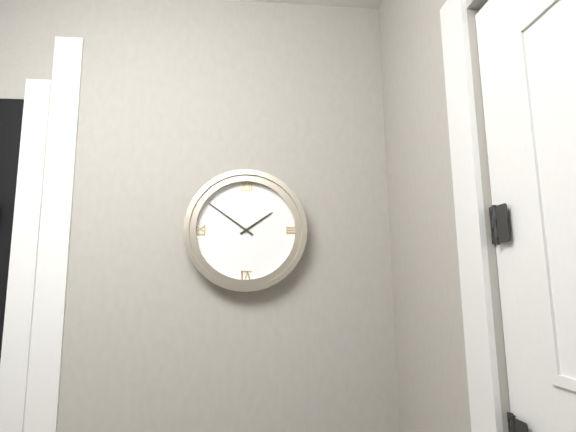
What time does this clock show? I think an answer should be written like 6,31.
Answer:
1,51
